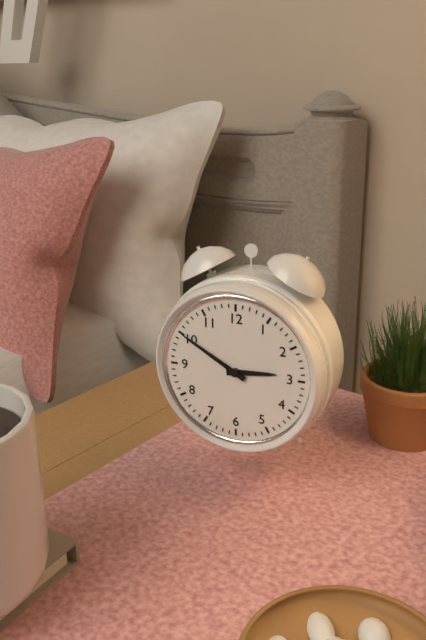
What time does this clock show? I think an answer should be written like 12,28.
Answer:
2,50
